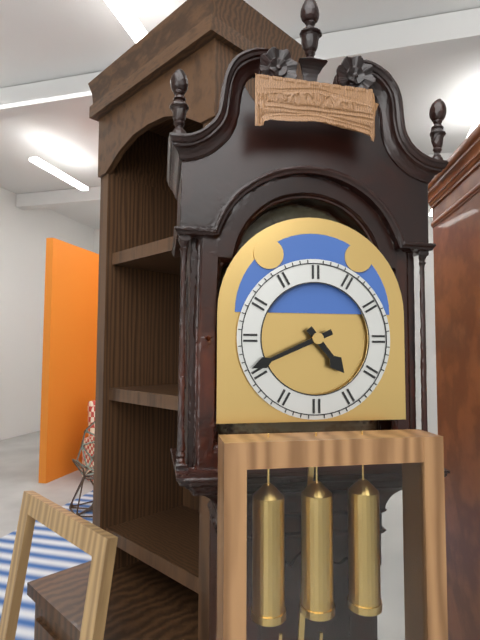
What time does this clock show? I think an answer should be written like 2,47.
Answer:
4,41
